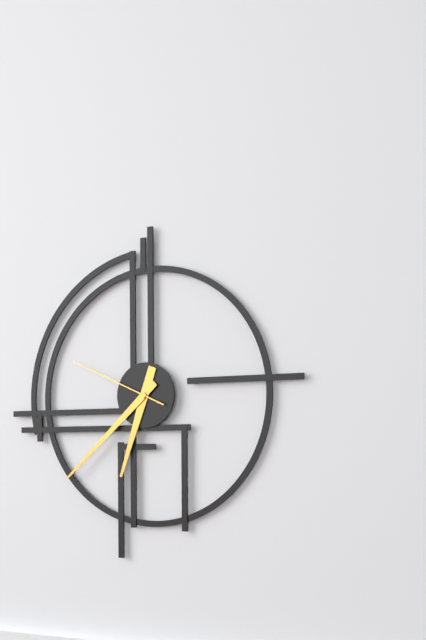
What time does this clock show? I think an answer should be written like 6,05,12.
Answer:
6,38,49
